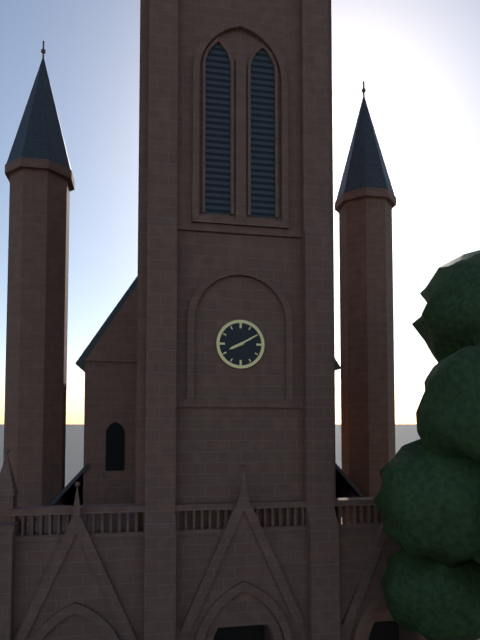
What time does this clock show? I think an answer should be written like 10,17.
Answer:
8,10
